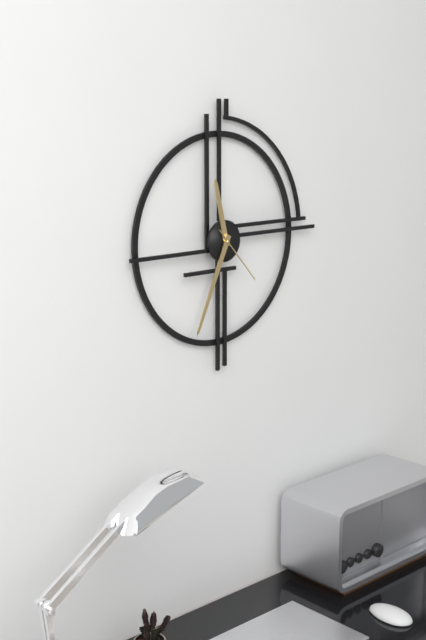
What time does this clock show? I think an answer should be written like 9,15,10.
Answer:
11,34,23
